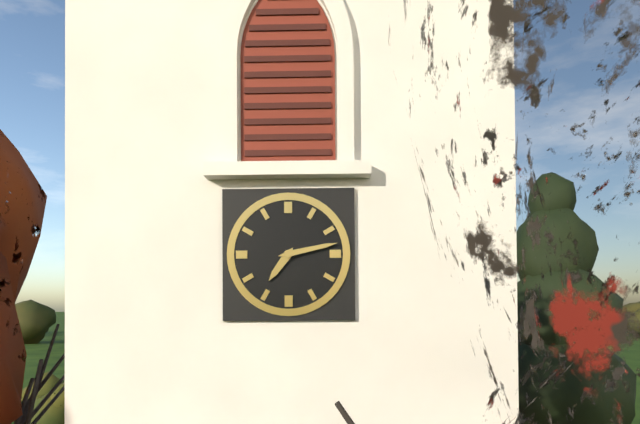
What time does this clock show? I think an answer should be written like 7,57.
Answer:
7,13
